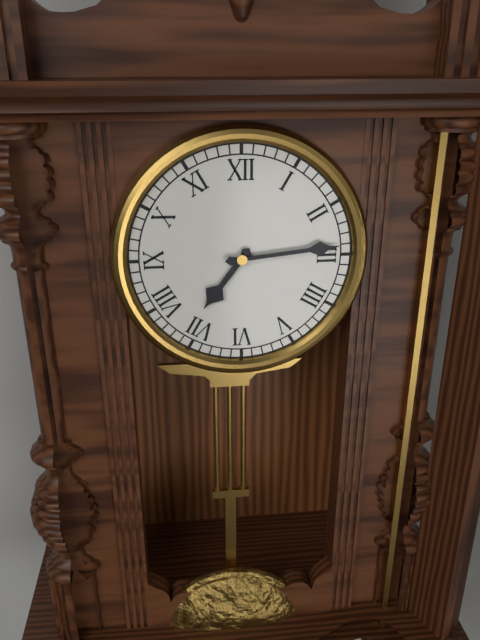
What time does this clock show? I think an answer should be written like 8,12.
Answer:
7,14
